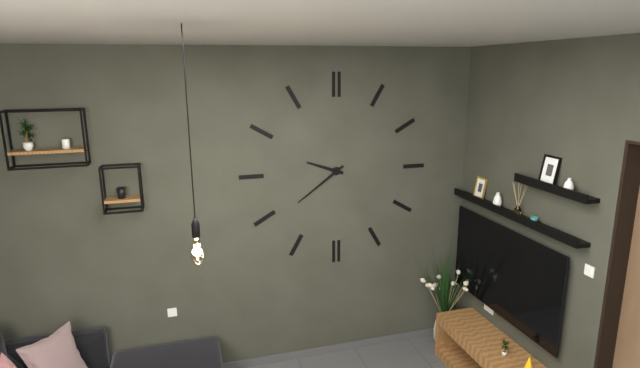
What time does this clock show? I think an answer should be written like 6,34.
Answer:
9,39
